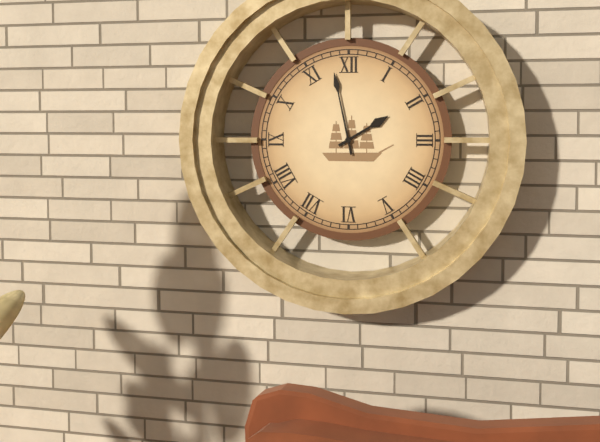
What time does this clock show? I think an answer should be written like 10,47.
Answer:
1,58
